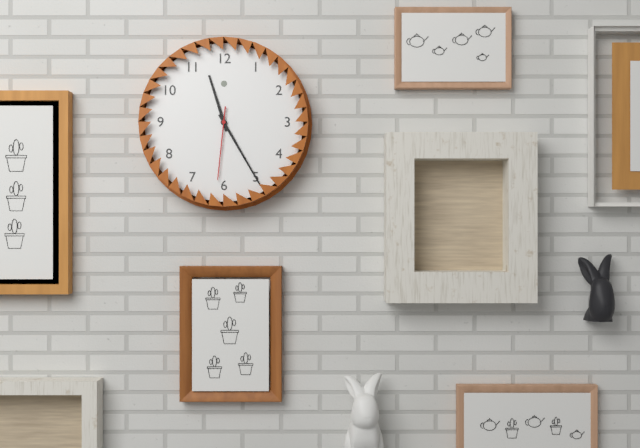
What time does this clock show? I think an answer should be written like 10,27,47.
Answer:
11,25,31
